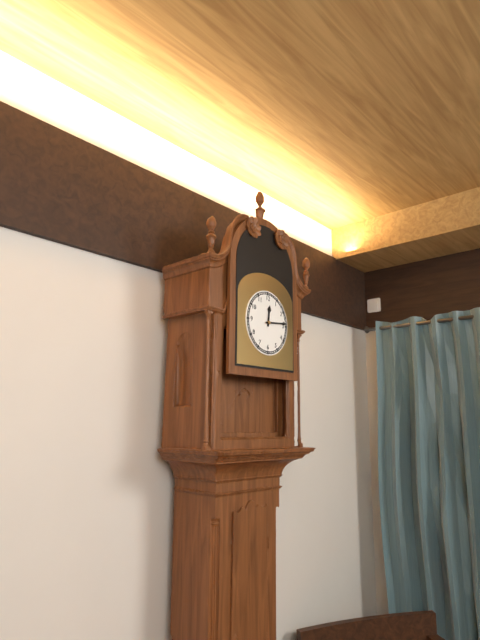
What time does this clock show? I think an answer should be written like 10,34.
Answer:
12,14
